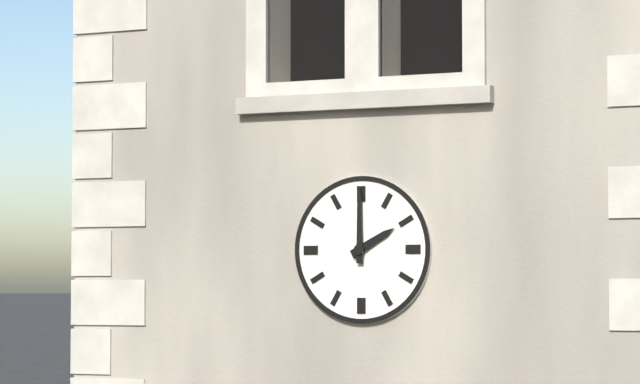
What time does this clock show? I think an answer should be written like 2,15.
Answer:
2,00
